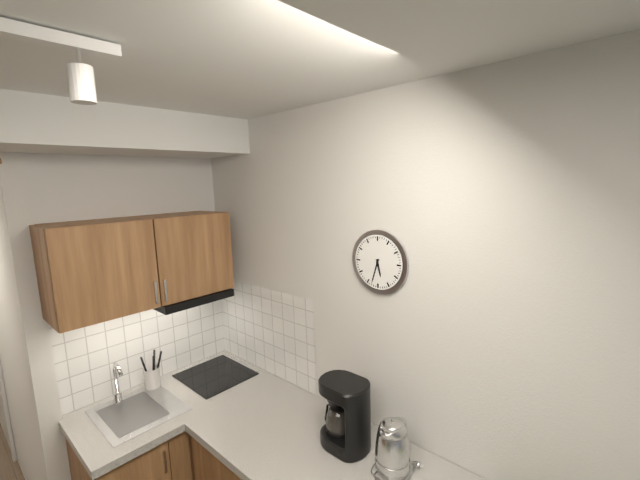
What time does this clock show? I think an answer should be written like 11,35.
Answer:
5,33
